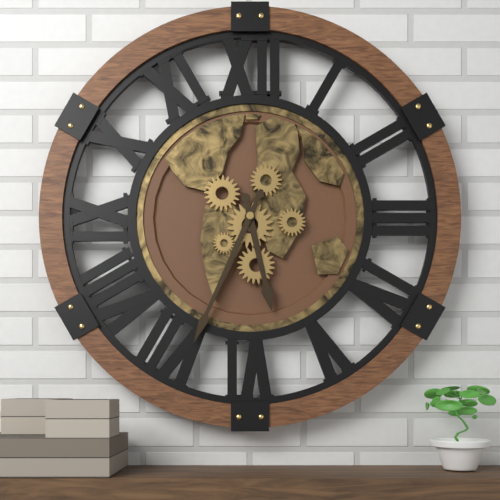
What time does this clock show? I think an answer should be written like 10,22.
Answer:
5,34
